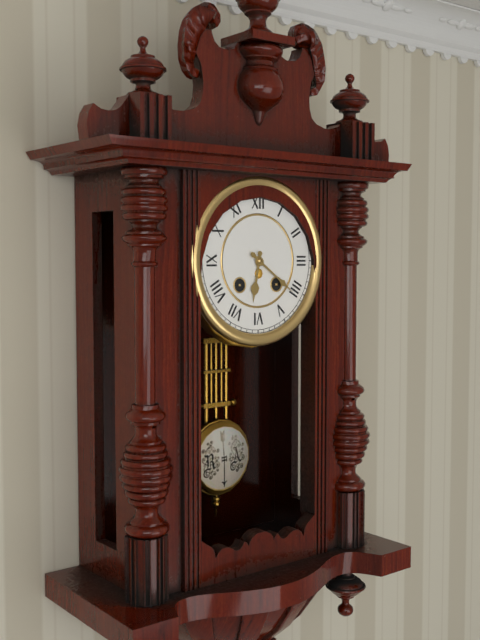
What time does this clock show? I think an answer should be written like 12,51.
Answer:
6,21
